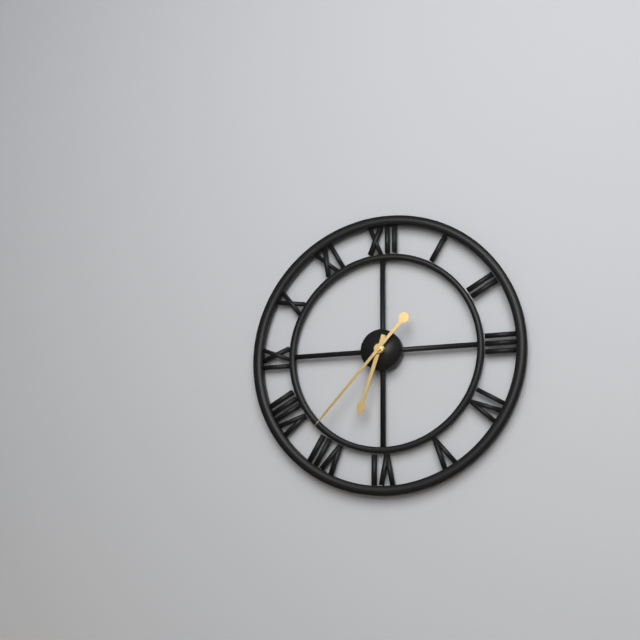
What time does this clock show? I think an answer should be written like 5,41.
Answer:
6,37
